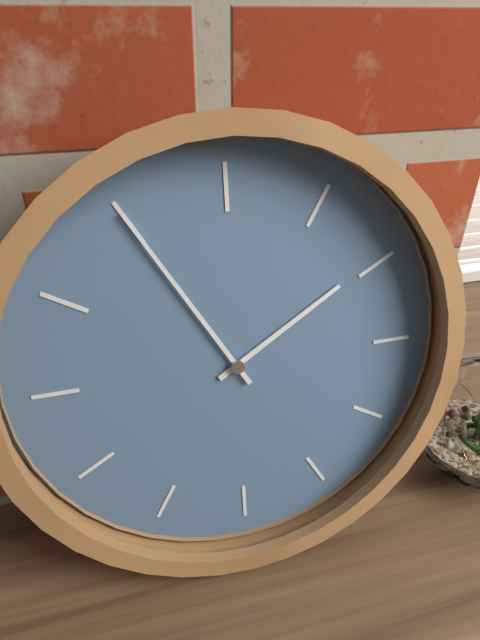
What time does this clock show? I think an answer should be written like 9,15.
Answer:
1,55
